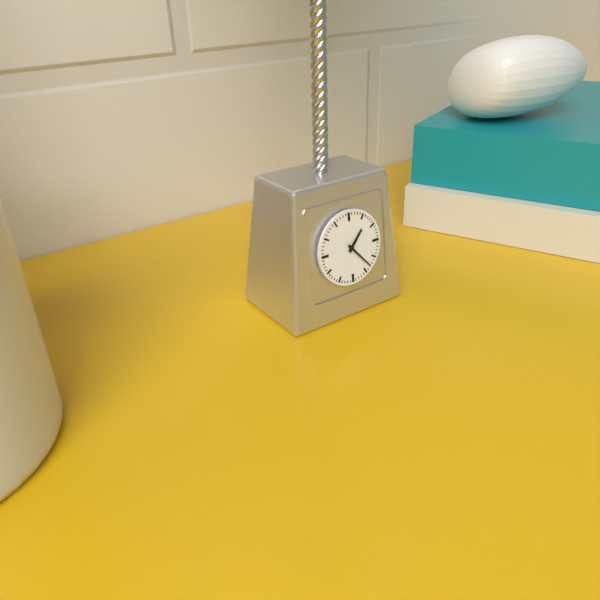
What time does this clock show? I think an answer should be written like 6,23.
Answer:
1,23
